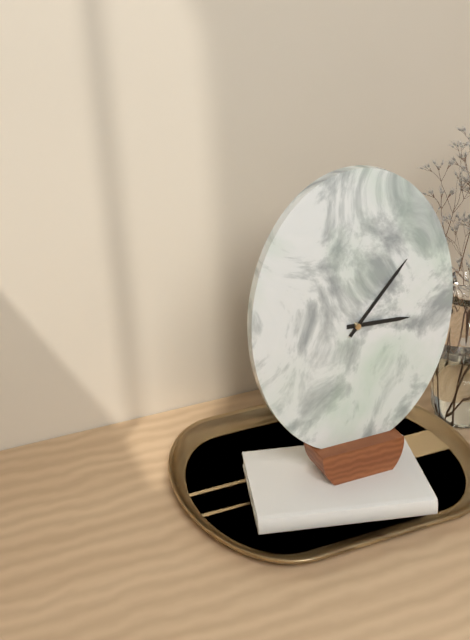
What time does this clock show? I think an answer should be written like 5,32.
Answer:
3,07
